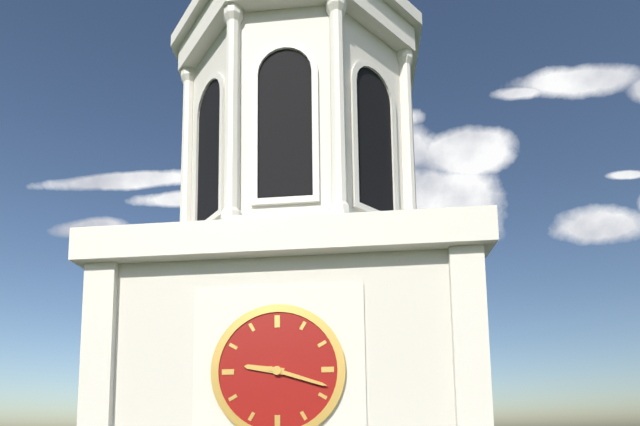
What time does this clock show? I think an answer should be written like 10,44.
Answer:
9,18
